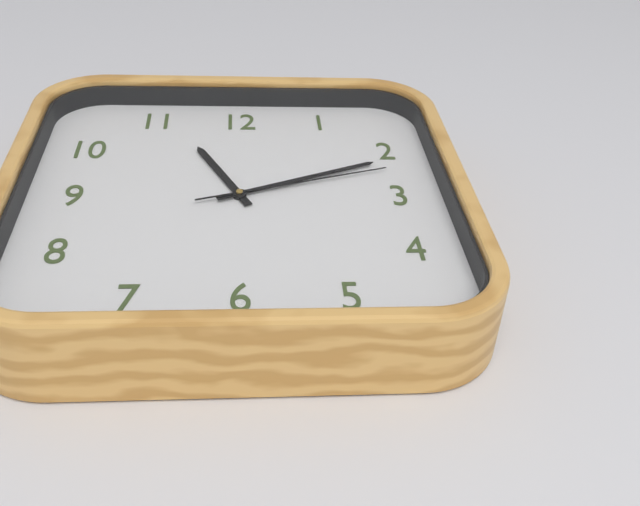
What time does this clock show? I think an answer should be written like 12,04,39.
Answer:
11,11,12
